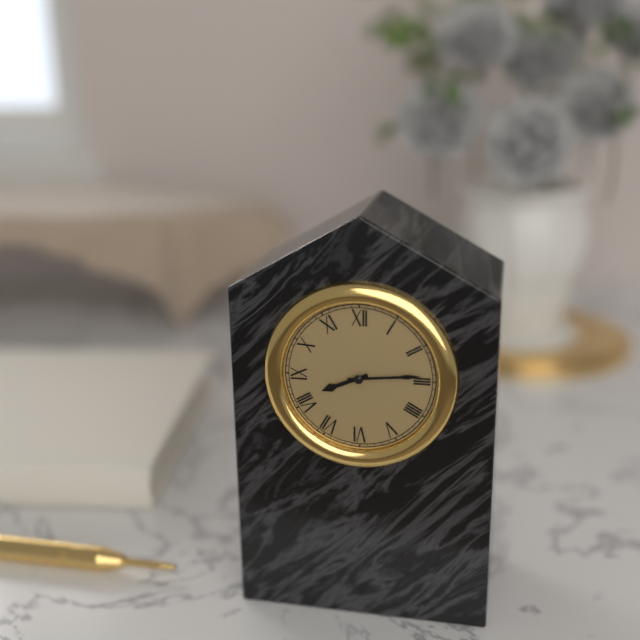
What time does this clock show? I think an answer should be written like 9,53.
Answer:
8,14
